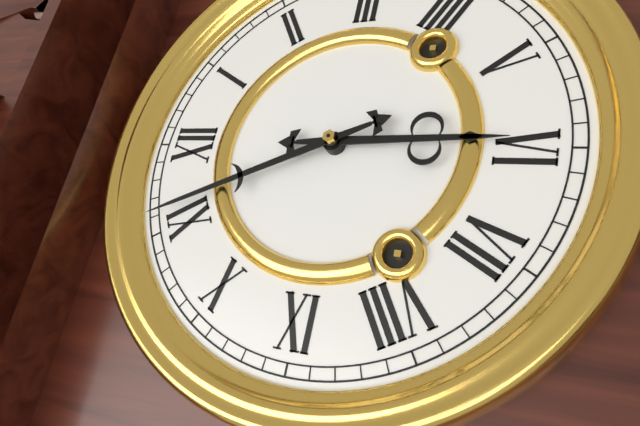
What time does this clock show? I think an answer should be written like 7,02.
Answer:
5,56
